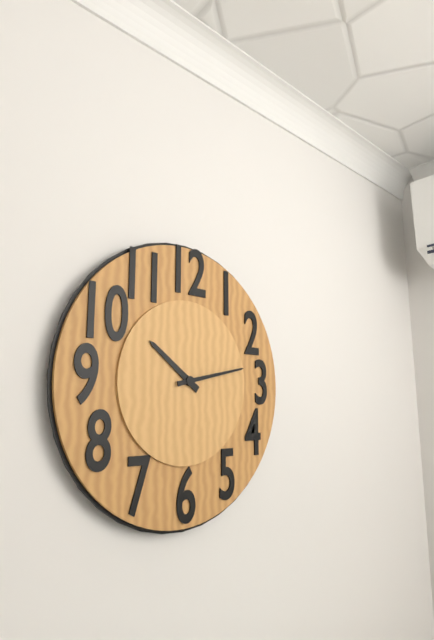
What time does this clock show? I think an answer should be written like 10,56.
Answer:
10,13
